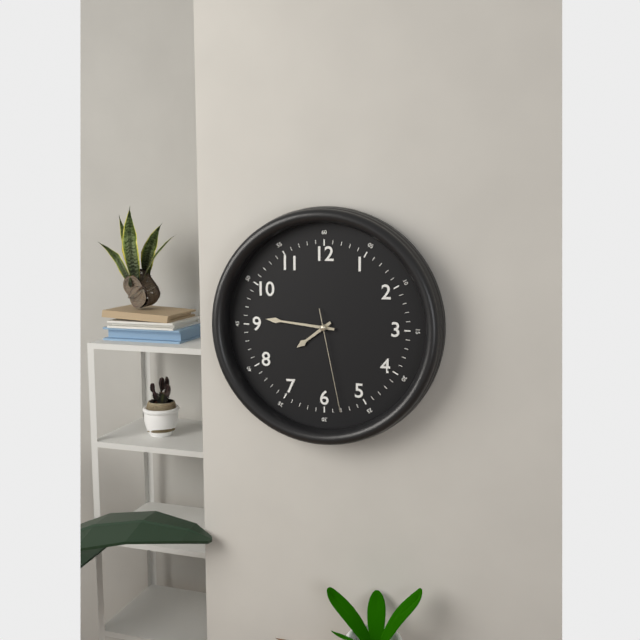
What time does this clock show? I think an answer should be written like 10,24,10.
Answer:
7,46,28
